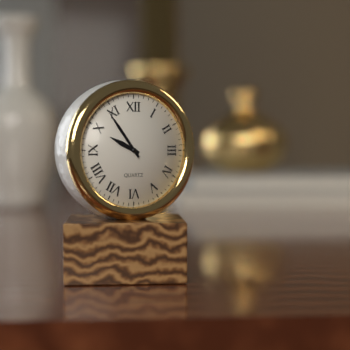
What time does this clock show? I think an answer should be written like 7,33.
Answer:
9,54
